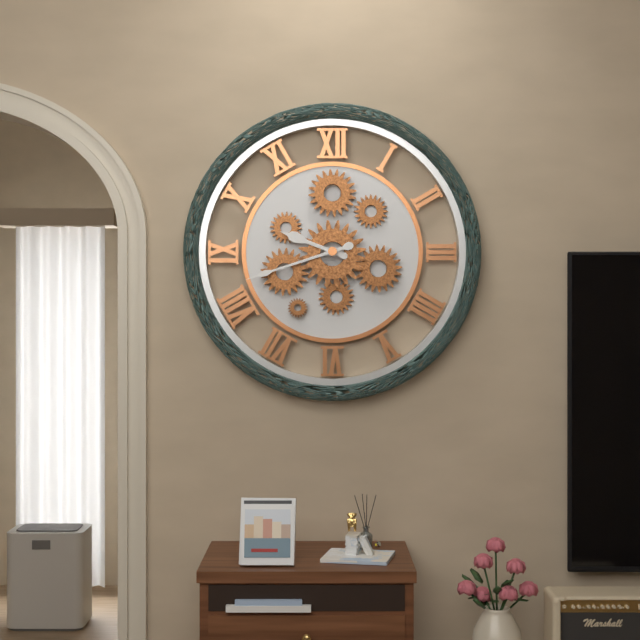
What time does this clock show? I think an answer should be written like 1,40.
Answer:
9,42
